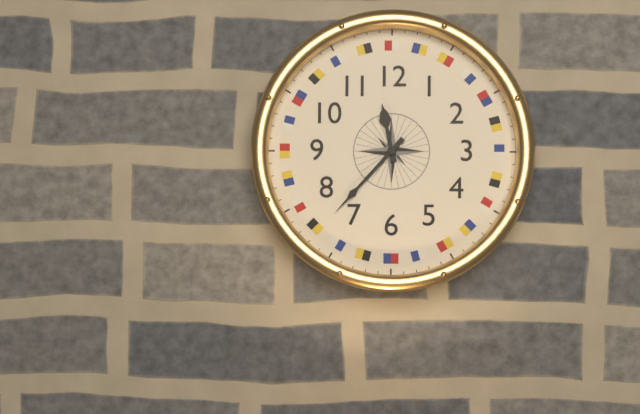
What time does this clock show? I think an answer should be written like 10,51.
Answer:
11,37
